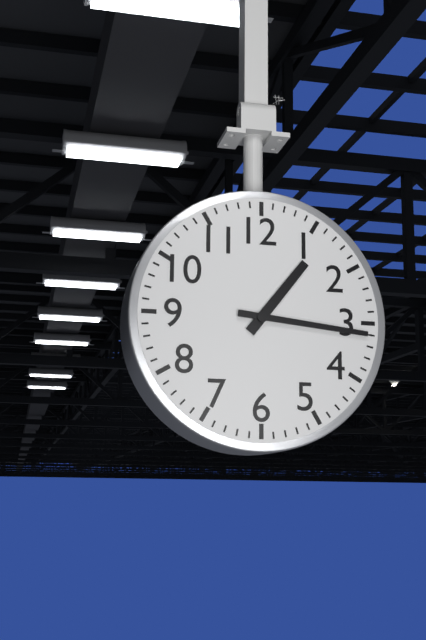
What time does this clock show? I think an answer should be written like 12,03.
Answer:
1,16
